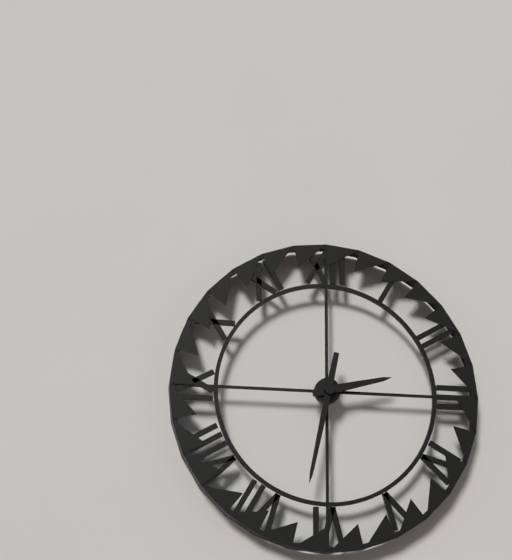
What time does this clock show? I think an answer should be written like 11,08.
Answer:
2,32
